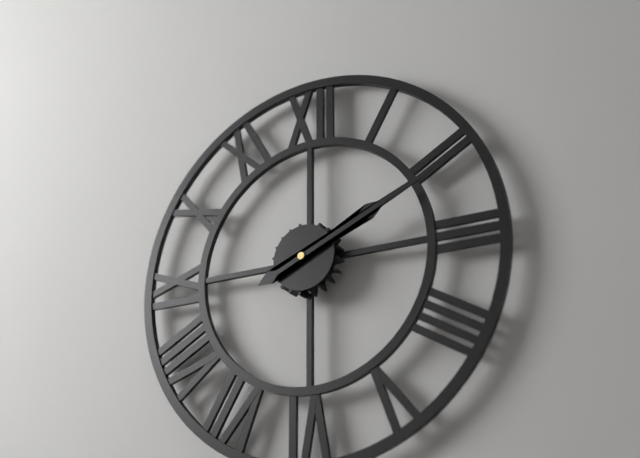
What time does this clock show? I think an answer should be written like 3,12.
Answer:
2,11
